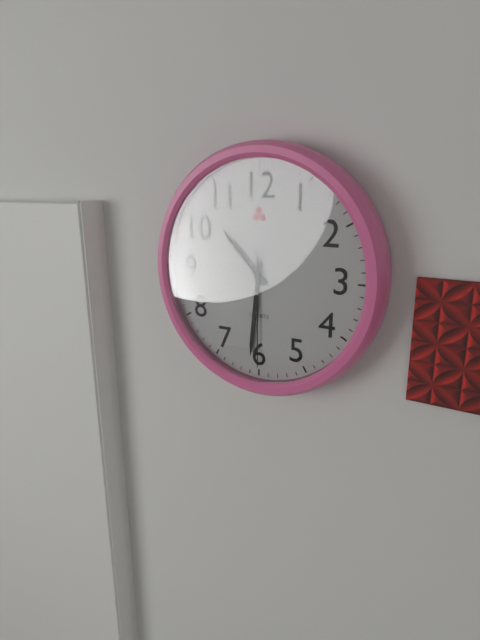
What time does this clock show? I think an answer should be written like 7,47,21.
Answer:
10,31,30
